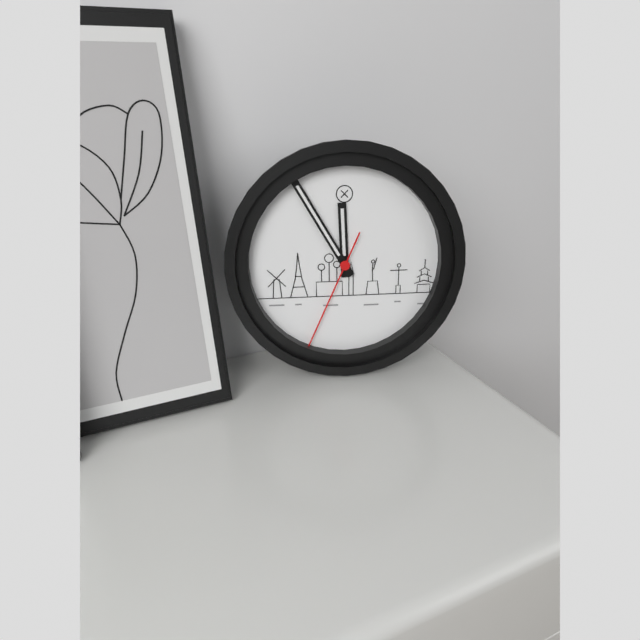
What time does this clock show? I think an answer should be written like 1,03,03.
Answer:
11,55,34
